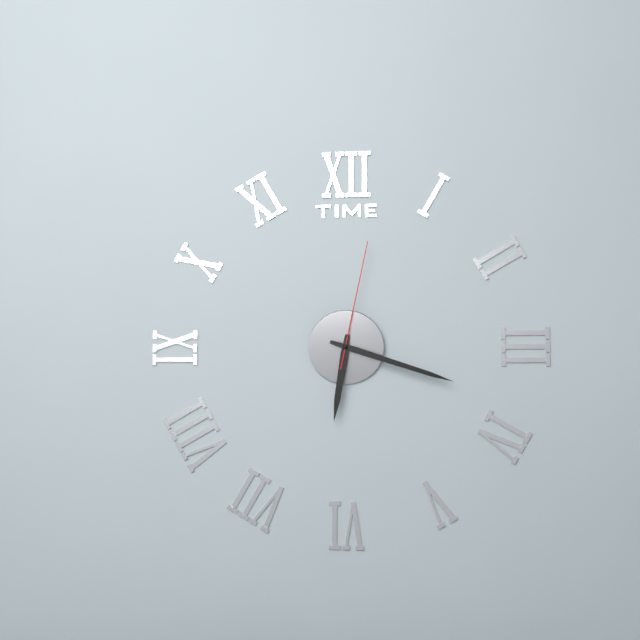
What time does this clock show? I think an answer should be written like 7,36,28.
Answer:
6,18,02
